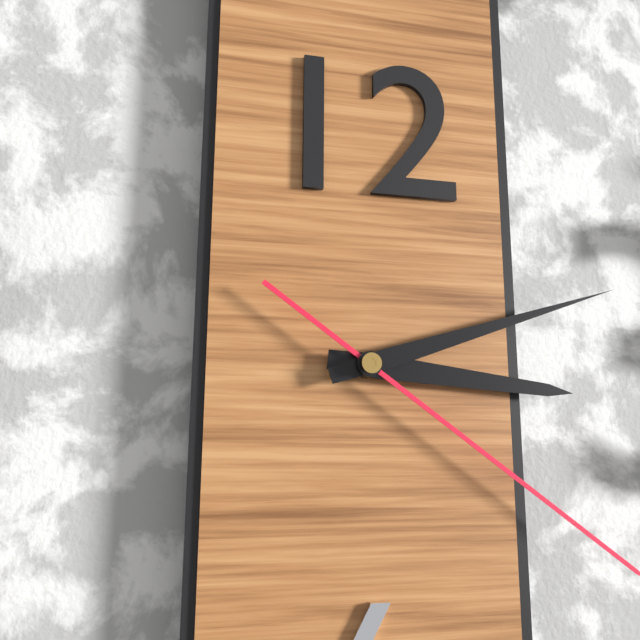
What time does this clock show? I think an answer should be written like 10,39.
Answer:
3,12
